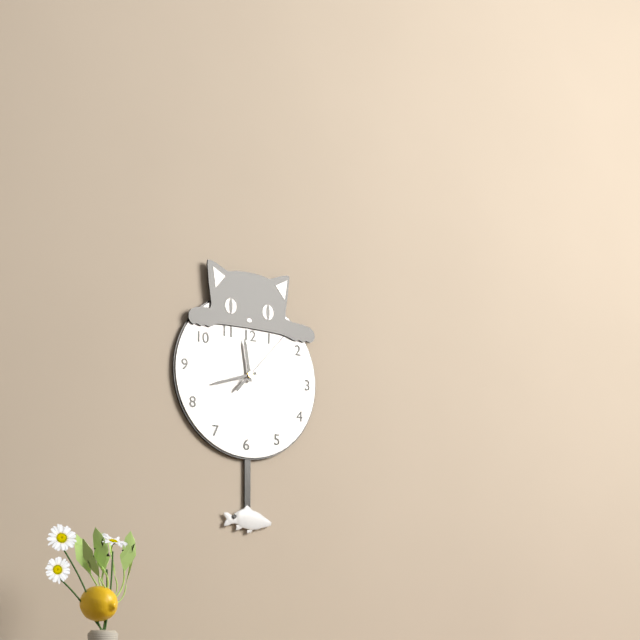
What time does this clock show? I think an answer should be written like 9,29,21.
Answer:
11,42,07
